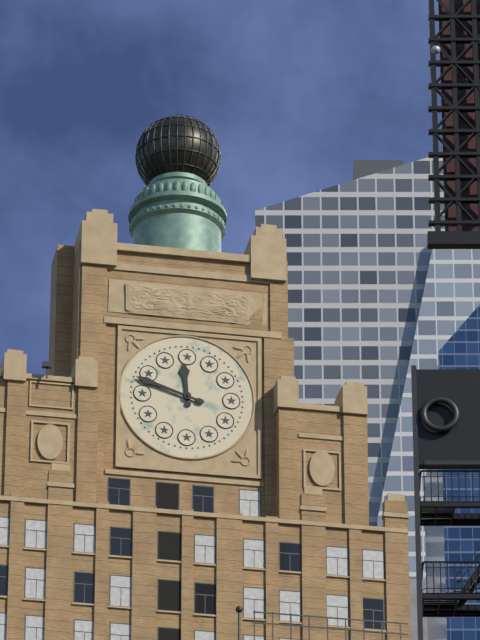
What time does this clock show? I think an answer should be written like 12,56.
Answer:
11,48
